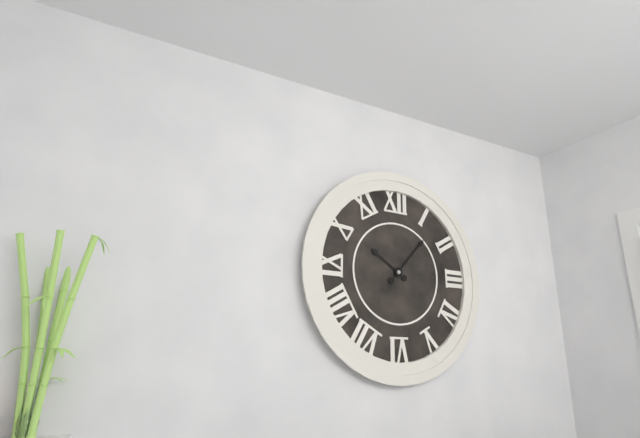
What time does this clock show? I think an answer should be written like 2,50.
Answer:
10,07
